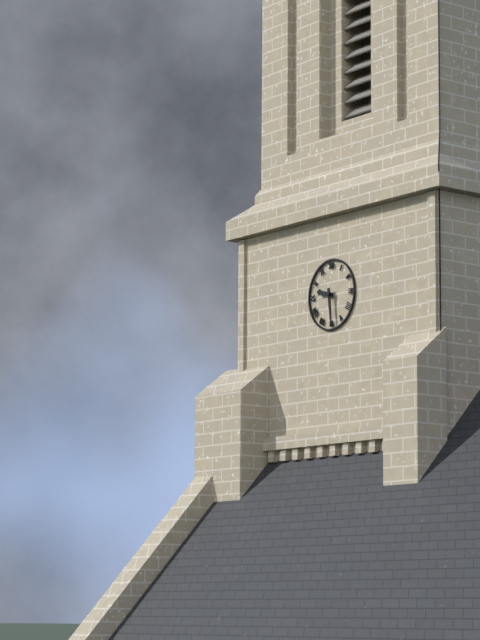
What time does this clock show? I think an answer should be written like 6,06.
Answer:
9,29
